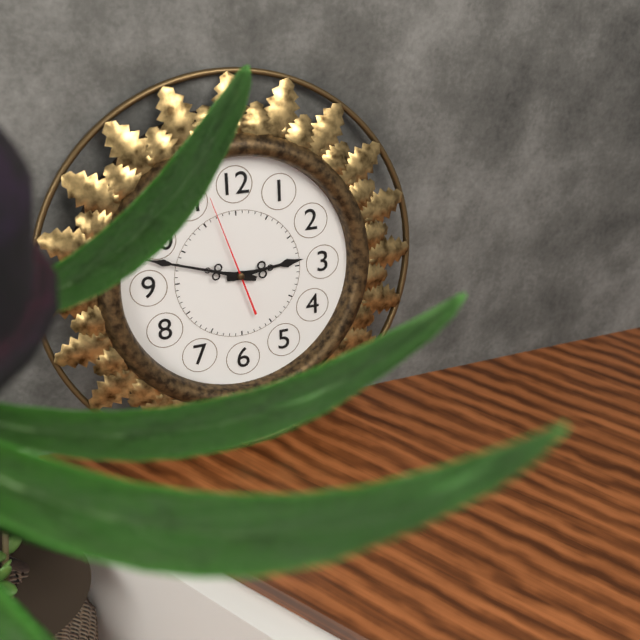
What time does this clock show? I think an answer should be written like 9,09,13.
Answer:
2,48,57
